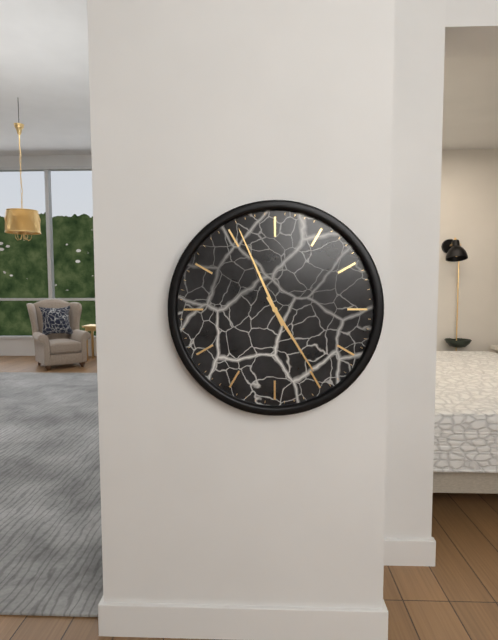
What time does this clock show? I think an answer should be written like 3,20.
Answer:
4,56
